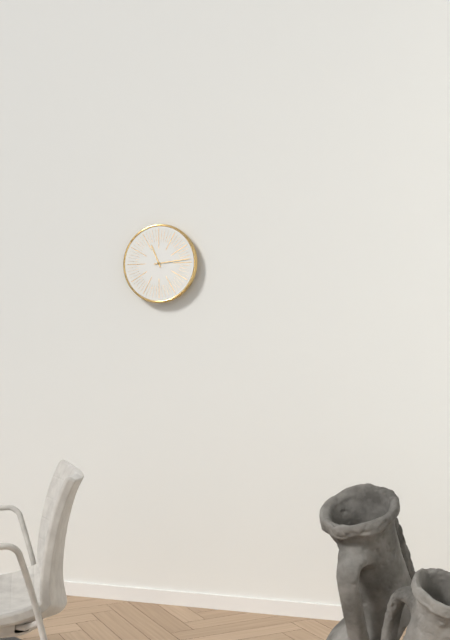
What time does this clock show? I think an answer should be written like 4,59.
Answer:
11,14
